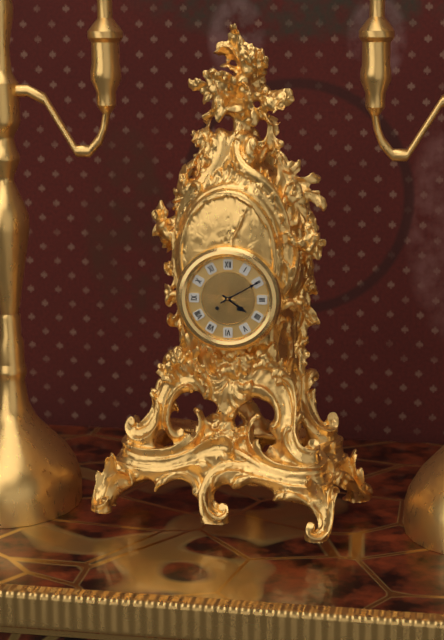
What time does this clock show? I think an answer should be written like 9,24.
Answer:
4,10
